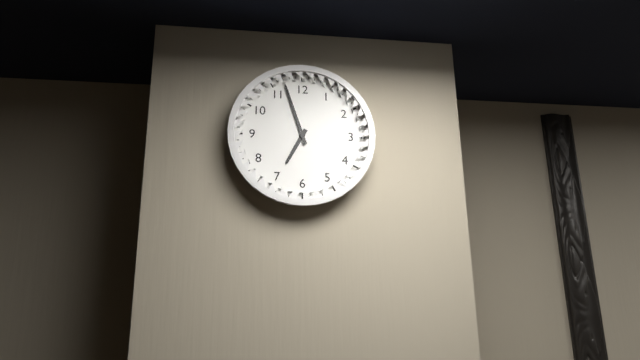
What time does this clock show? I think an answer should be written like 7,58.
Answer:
6,57
